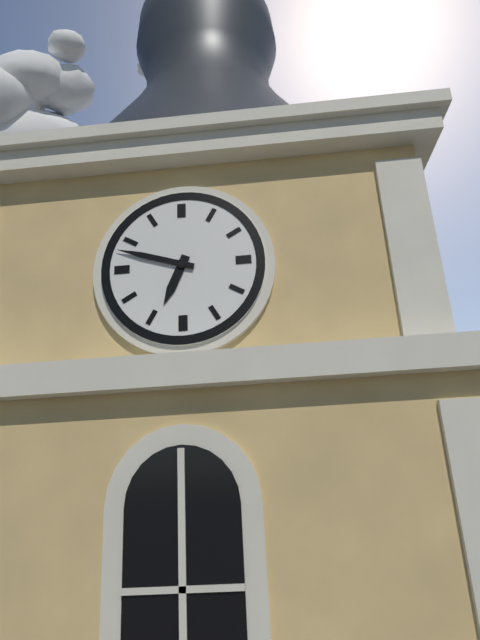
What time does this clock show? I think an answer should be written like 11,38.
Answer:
6,48
